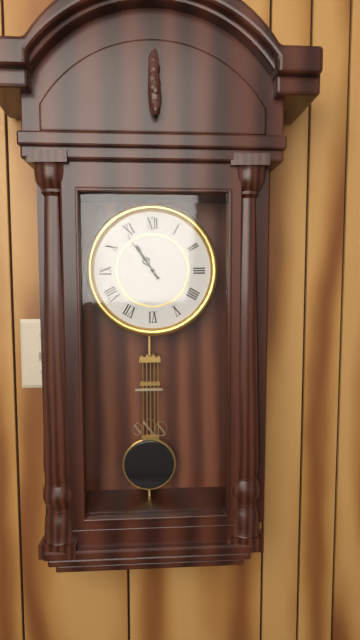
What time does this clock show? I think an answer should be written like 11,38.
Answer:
10,54
